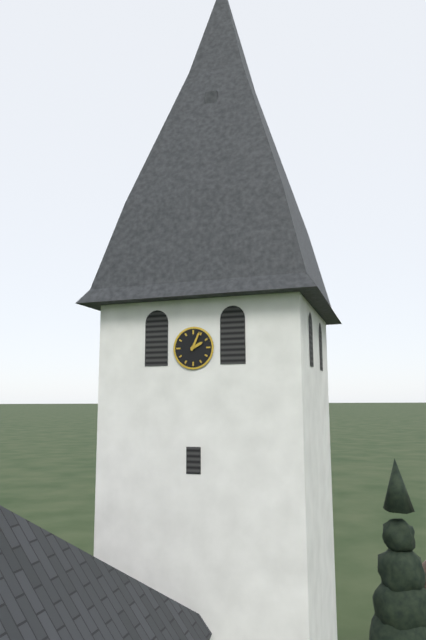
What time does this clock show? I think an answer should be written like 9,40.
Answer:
2,04
